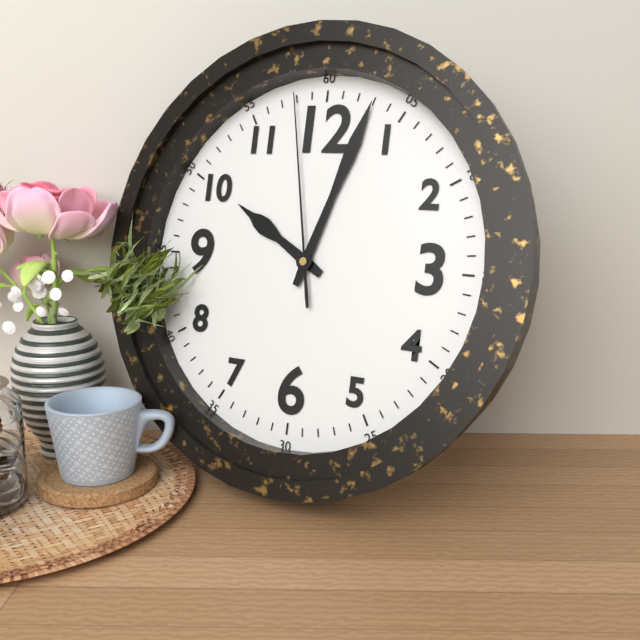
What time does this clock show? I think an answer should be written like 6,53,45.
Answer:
10,03,58
